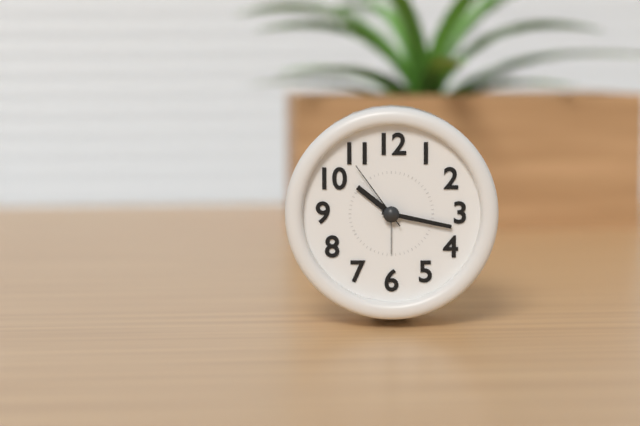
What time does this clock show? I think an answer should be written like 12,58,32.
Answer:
10,17,54
